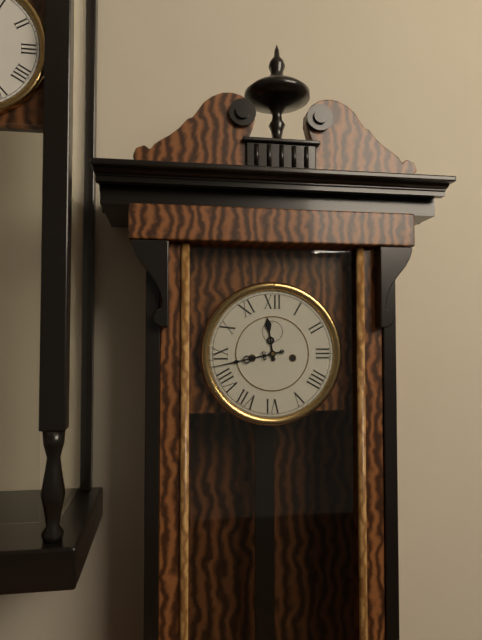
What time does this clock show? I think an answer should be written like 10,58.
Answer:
11,43
